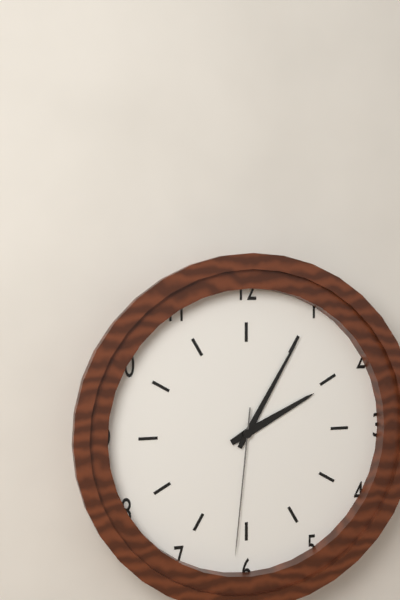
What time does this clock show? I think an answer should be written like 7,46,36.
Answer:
2,05,31
